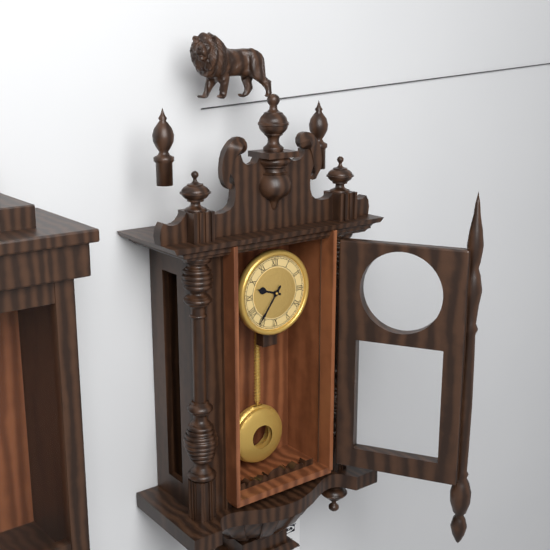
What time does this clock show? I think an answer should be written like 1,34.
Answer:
9,36
